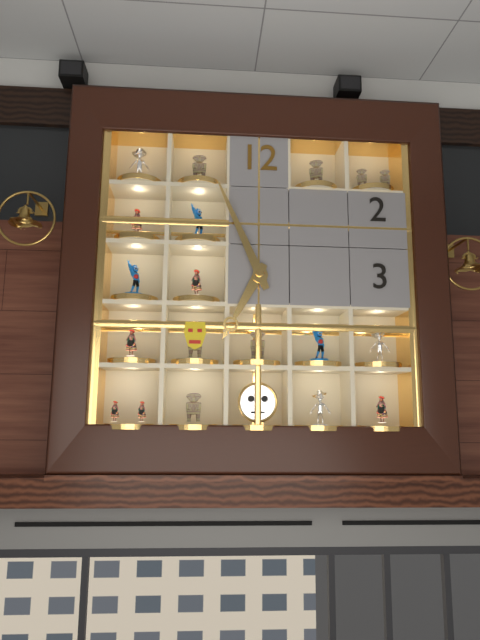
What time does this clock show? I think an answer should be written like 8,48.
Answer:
6,56
